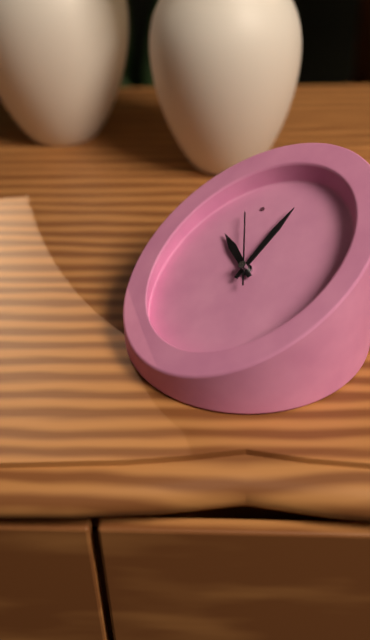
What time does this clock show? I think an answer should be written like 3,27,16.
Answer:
12,12,05
